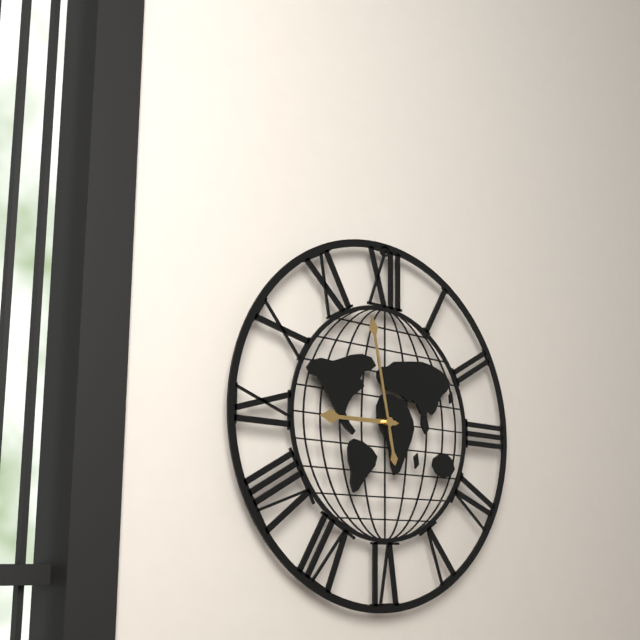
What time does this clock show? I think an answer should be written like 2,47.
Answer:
8,58
